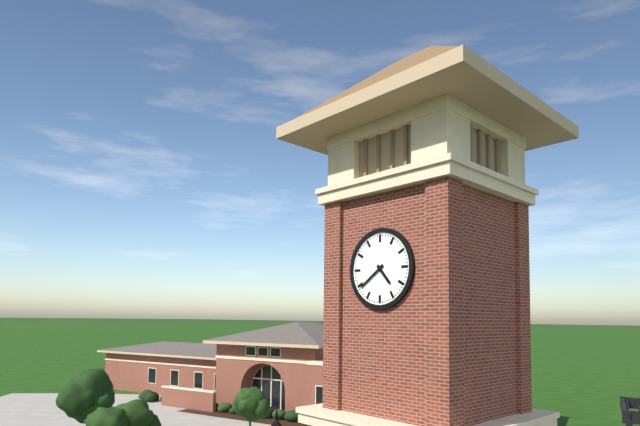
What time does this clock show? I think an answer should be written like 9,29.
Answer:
4,39
